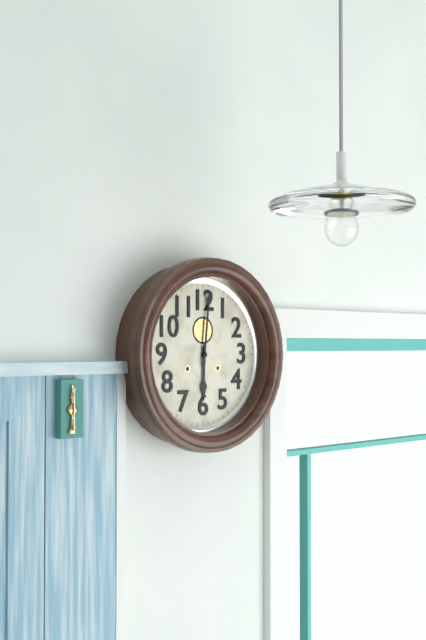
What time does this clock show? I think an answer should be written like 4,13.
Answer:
6,01
